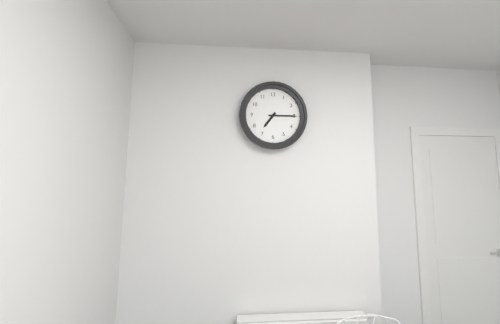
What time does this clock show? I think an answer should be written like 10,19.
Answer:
7,15
